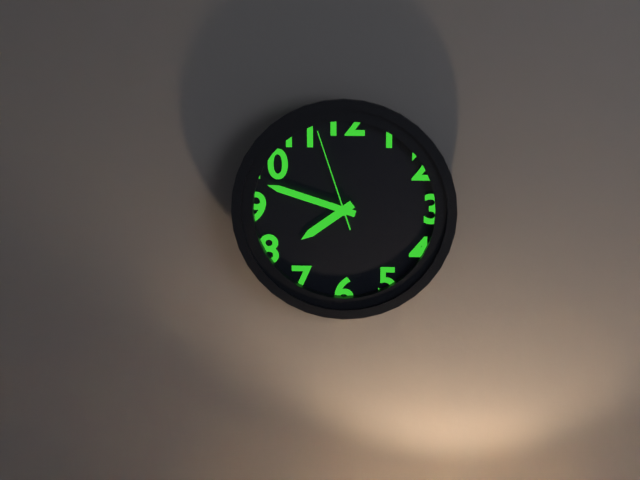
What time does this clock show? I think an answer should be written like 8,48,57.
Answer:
7,48,57
